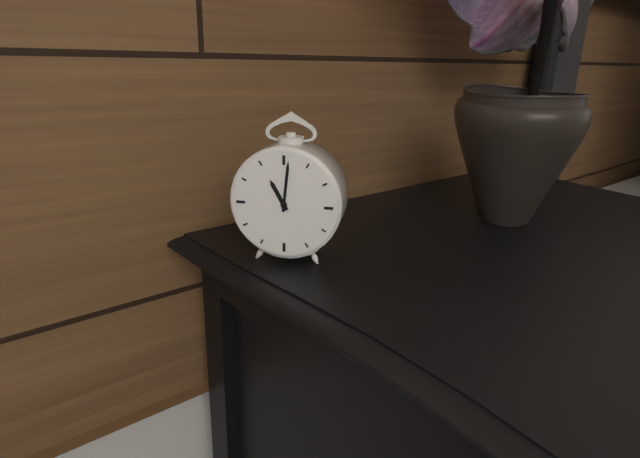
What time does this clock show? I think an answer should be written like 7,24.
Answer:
11,01
